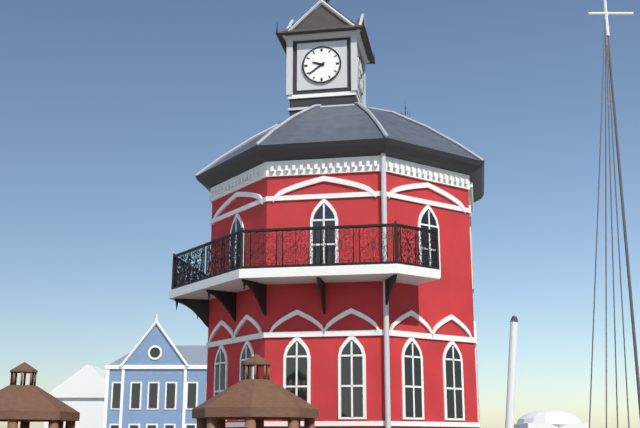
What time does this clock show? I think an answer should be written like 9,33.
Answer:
9,39
